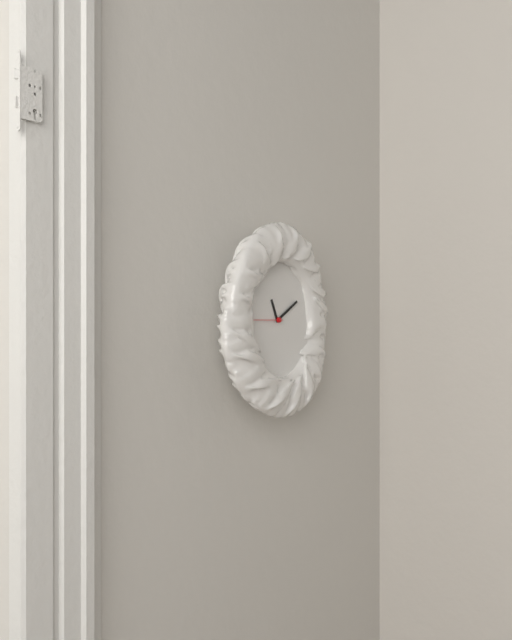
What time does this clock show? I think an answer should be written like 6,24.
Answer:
11,10
